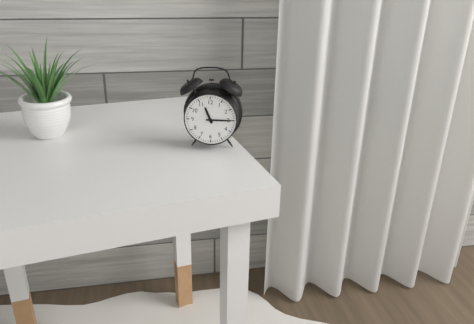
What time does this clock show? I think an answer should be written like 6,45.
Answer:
11,15
